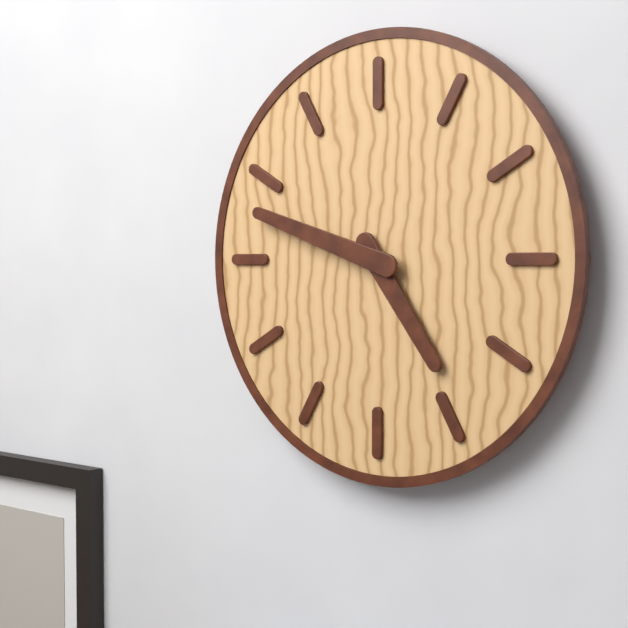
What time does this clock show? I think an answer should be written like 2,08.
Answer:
4,48
